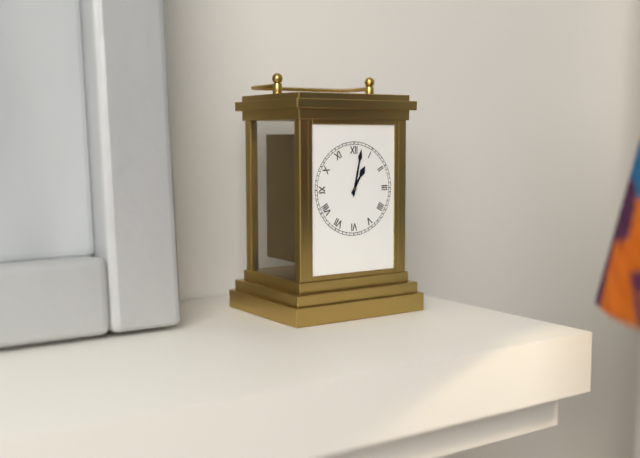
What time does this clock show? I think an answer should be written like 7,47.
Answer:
1,02
